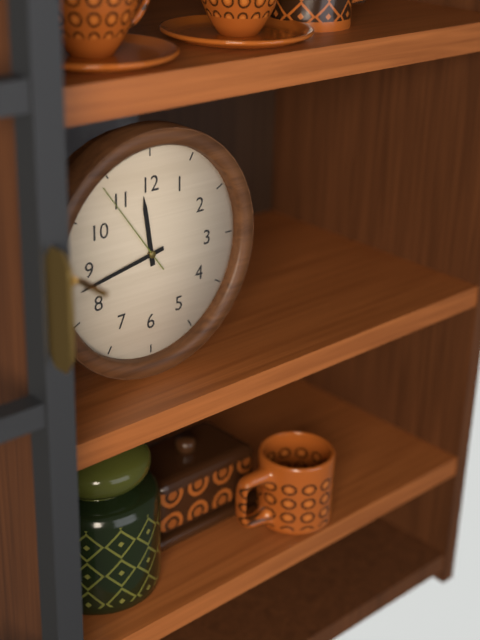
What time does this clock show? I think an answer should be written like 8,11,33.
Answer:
11,43,54
